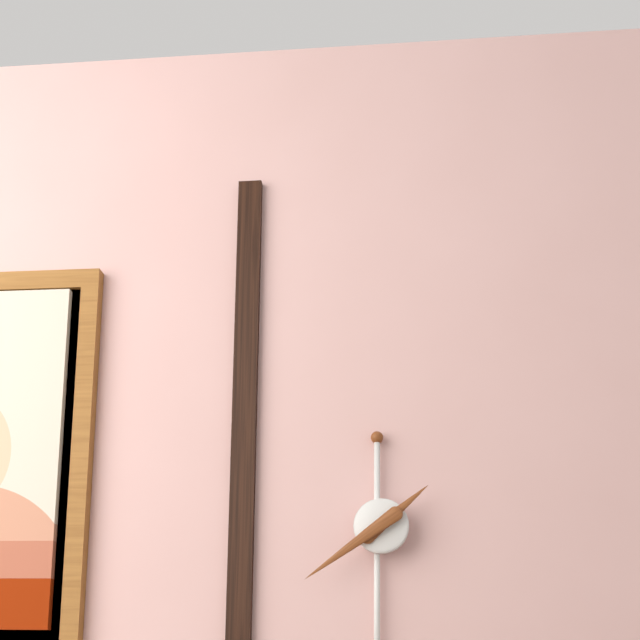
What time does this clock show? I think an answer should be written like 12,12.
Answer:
1,39
